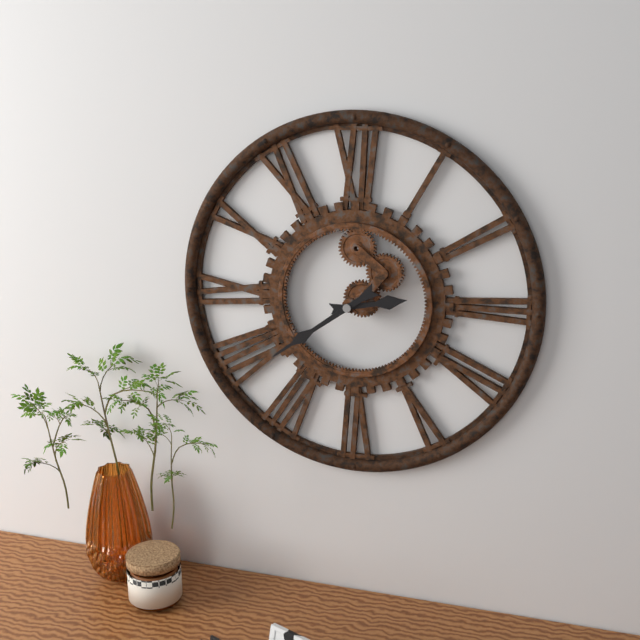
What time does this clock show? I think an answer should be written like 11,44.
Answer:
2,39
